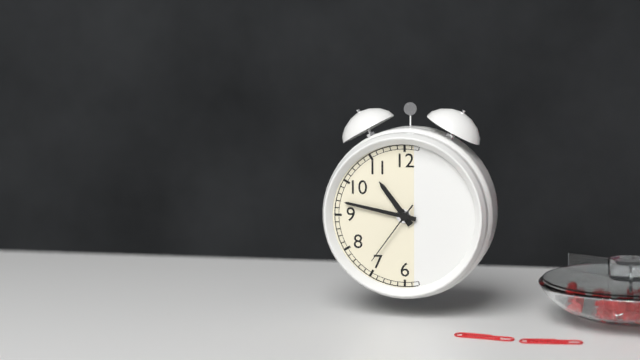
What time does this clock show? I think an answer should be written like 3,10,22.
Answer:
10,47,36
